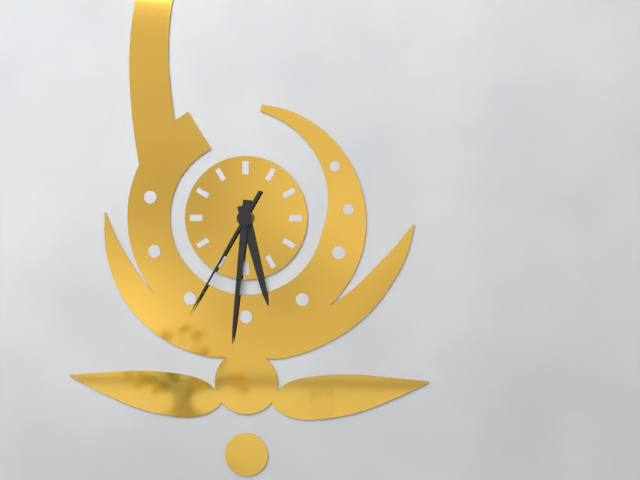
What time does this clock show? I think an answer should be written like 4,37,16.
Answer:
5,31,35
